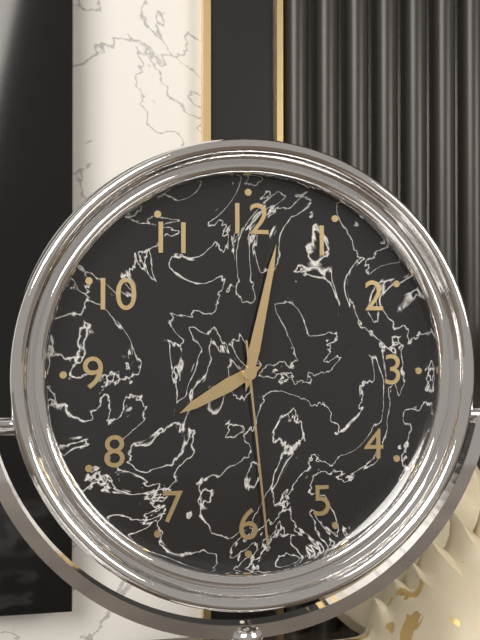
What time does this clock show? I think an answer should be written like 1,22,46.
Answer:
8,02,29
